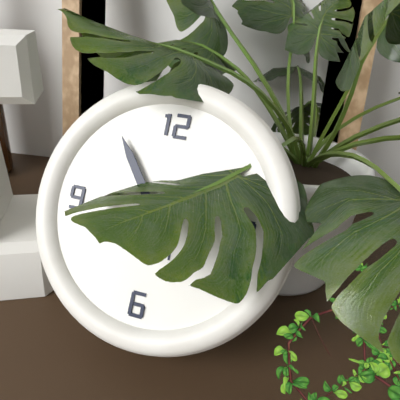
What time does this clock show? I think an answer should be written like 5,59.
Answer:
7,54
